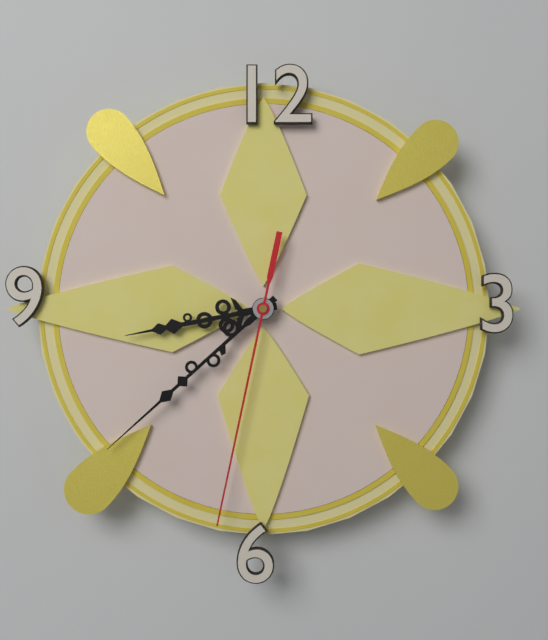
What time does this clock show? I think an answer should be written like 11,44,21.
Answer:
8,38,32
